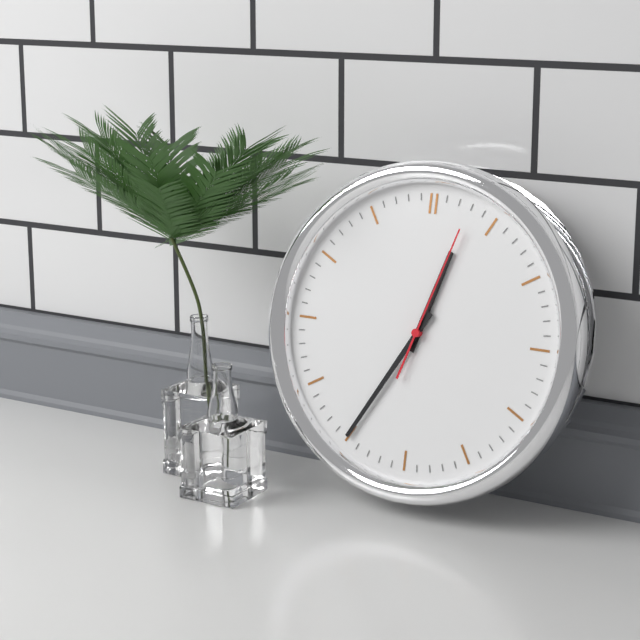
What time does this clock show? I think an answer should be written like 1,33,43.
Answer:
12,35,03
